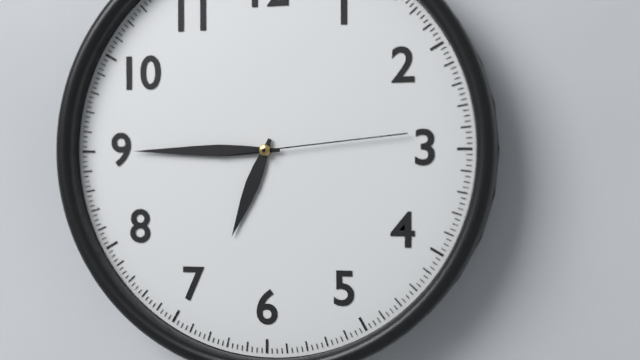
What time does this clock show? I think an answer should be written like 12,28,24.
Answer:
6,45,14
